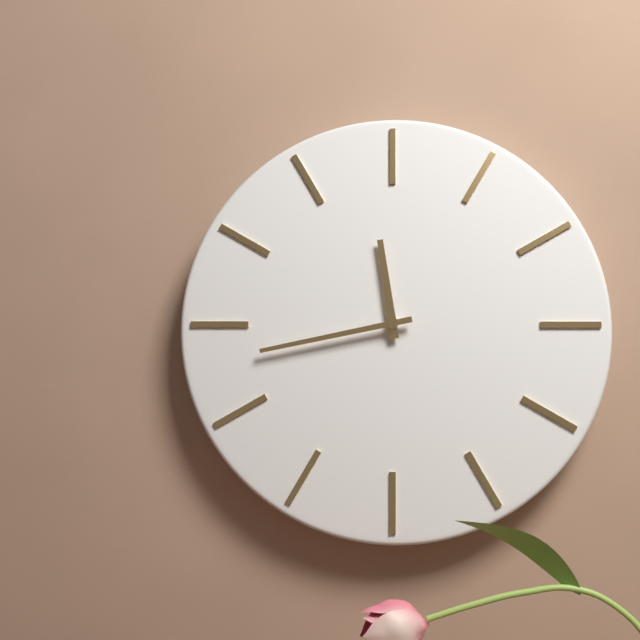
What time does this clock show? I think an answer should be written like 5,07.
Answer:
11,43
